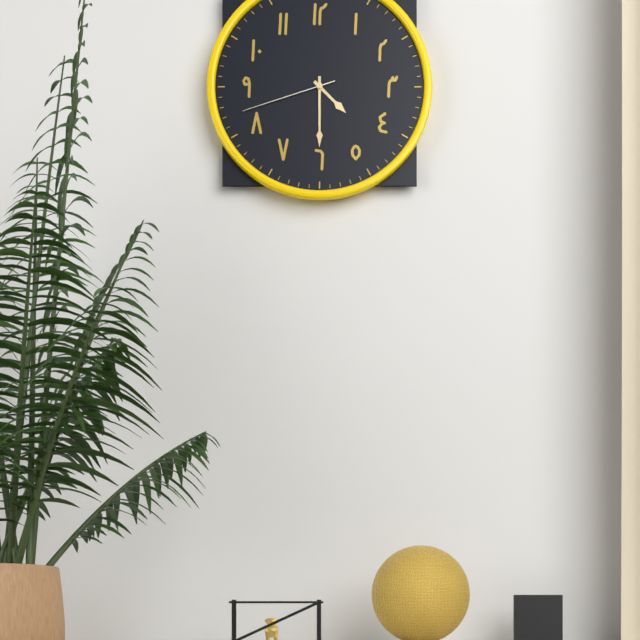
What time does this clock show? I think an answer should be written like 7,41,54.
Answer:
4,30,42
